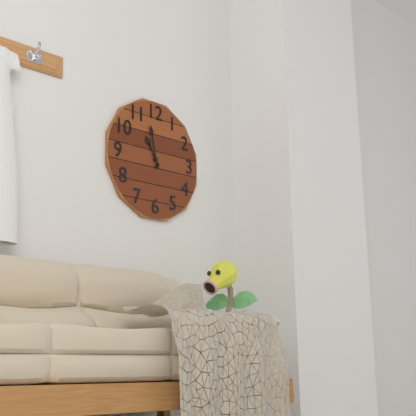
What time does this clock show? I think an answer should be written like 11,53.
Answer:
10,58
